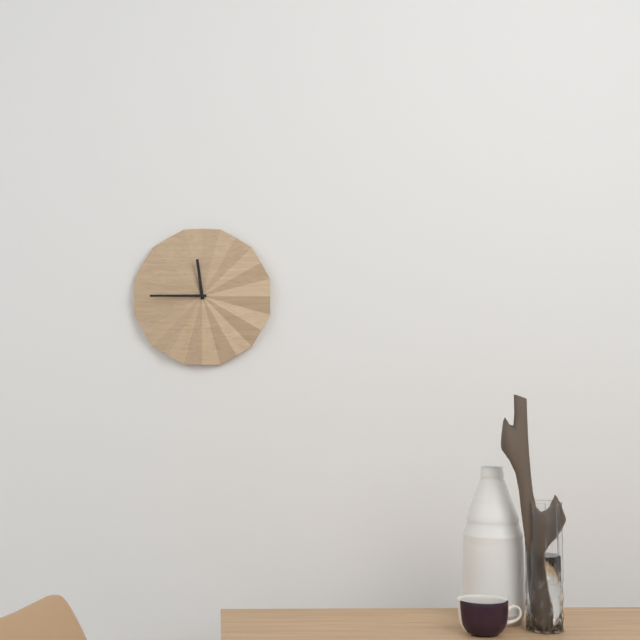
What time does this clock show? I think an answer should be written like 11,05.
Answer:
11,45
